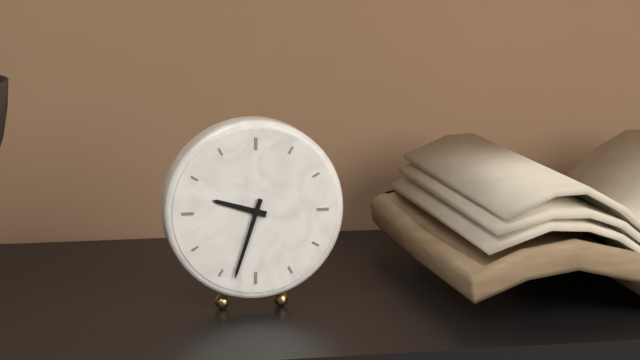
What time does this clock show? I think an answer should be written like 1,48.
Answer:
9,33
